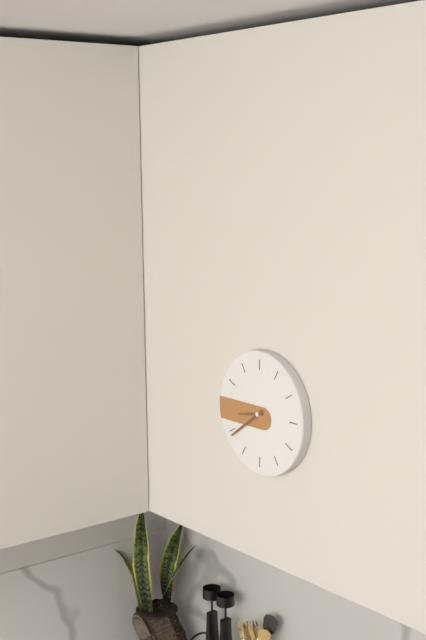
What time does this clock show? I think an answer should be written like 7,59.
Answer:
8,39
